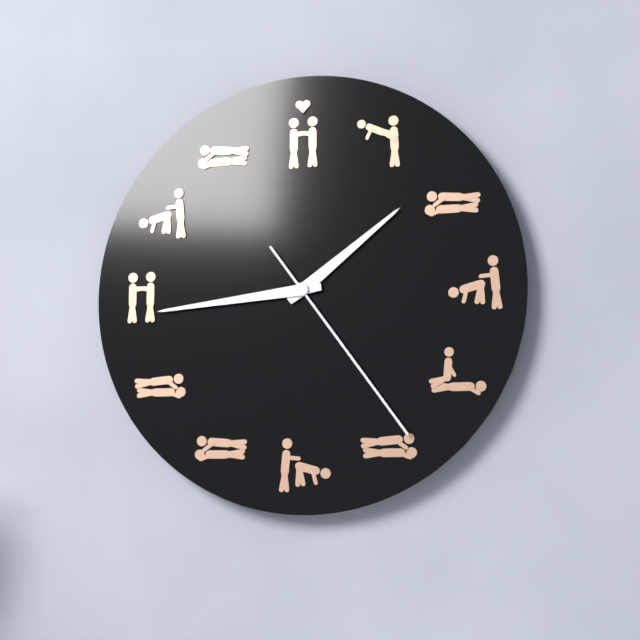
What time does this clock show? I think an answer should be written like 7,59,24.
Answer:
1,44,24
